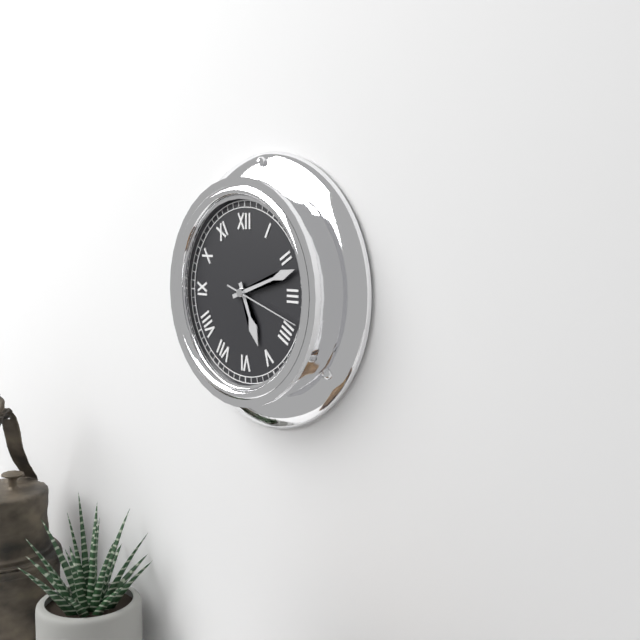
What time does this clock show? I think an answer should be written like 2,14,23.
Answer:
5,12,18
